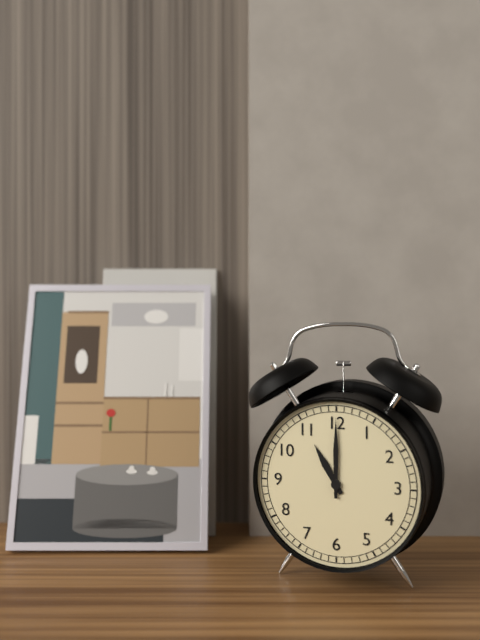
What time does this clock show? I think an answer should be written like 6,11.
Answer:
11,00
